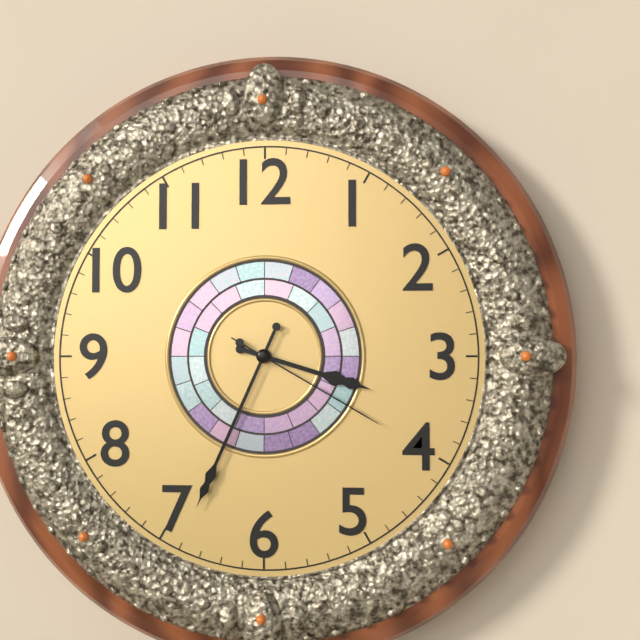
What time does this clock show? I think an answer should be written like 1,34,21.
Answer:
3,34,20
